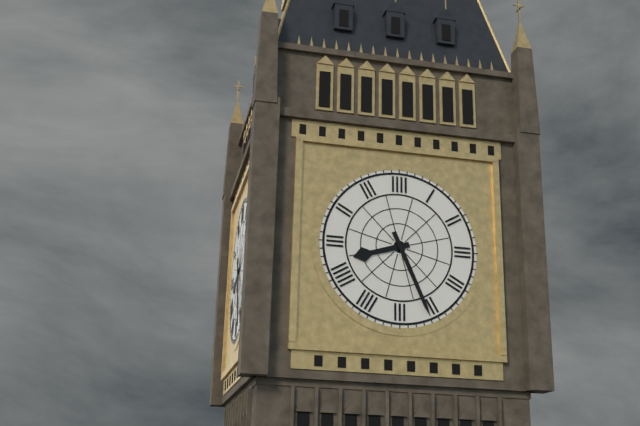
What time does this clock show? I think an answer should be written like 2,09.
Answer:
8,26
